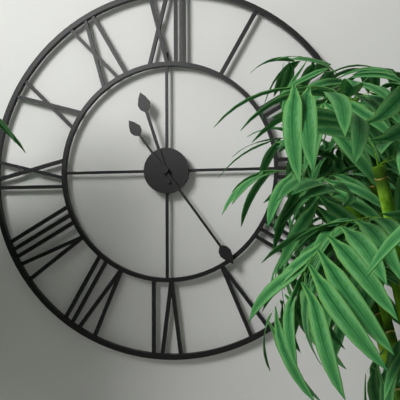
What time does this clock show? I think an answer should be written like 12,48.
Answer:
11,24
